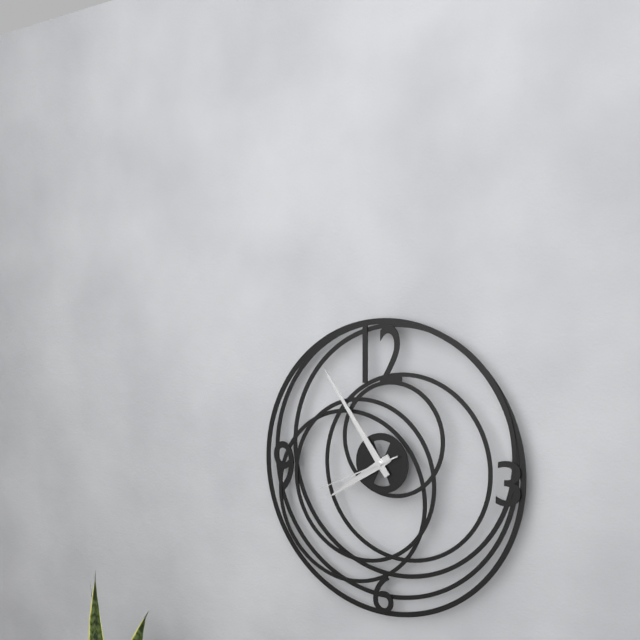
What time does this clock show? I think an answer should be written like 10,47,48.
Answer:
7,54,41
